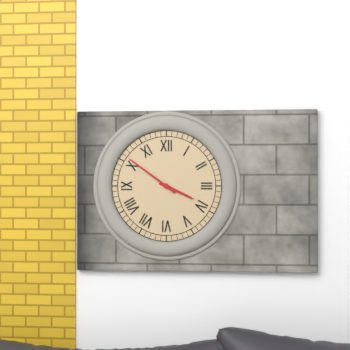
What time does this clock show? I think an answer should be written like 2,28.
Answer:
3,51
